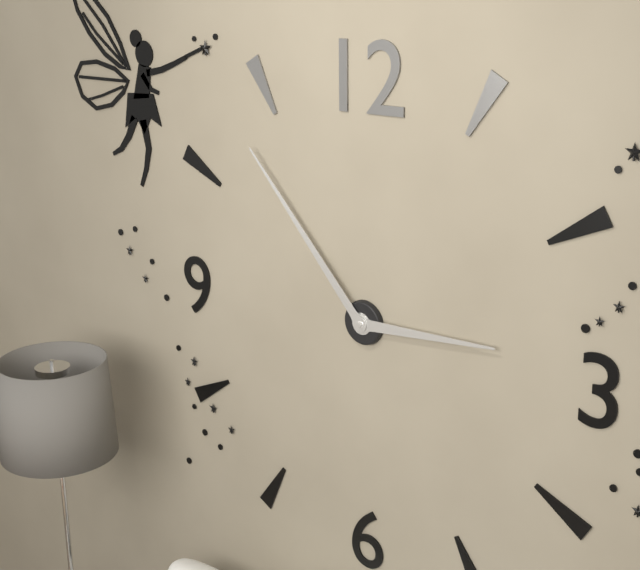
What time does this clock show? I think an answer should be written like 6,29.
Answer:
2,53
